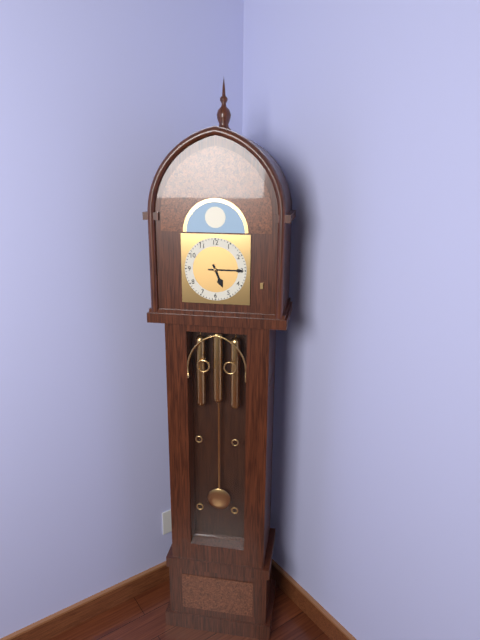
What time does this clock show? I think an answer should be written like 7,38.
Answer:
5,15
